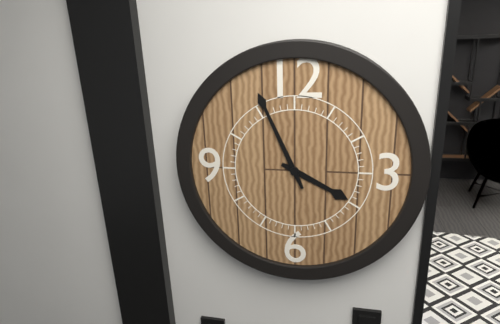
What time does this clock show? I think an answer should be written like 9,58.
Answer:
3,56
